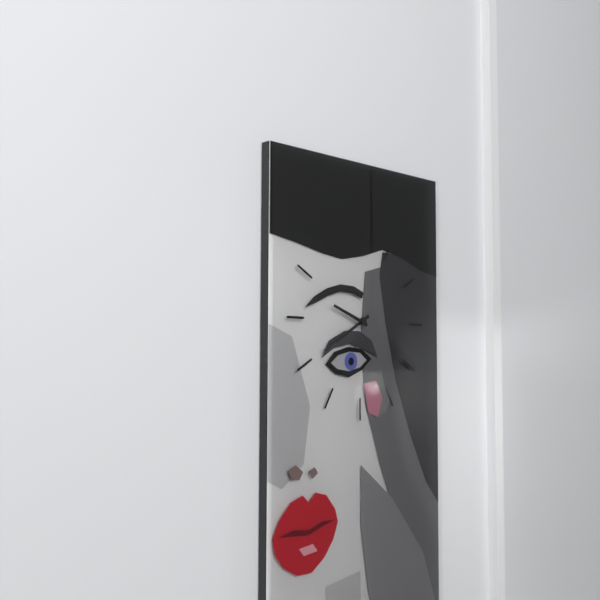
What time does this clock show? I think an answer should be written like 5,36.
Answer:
9,40
